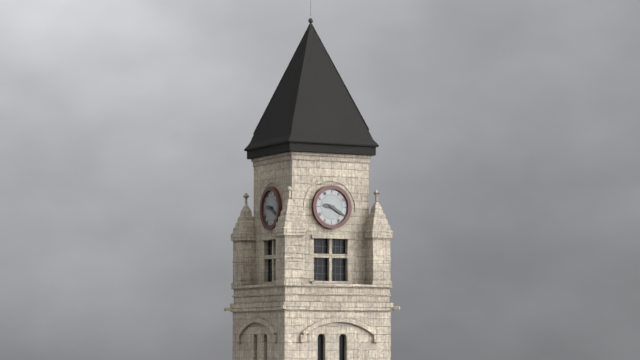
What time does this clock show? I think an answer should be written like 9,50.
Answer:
9,20
